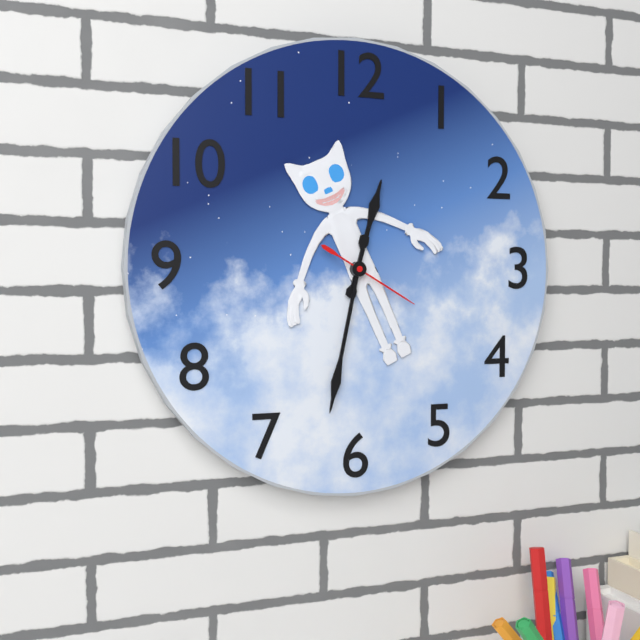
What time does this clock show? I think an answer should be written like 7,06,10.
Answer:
12,32,20
